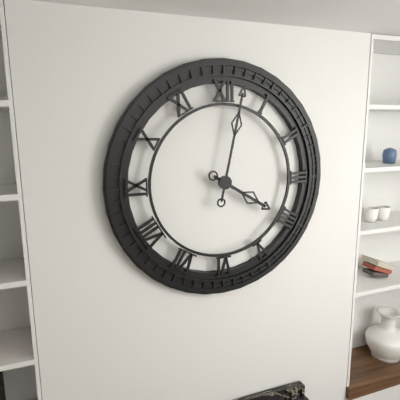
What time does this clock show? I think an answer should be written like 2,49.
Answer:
4,02
